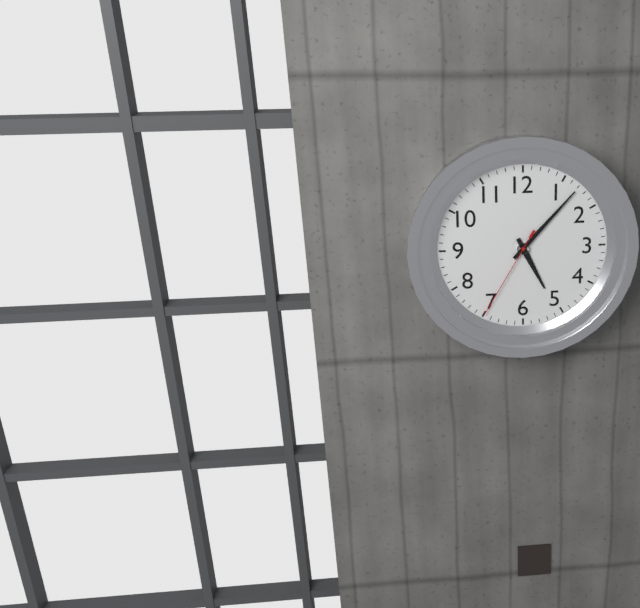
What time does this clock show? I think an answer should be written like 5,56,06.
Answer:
5,07,35
